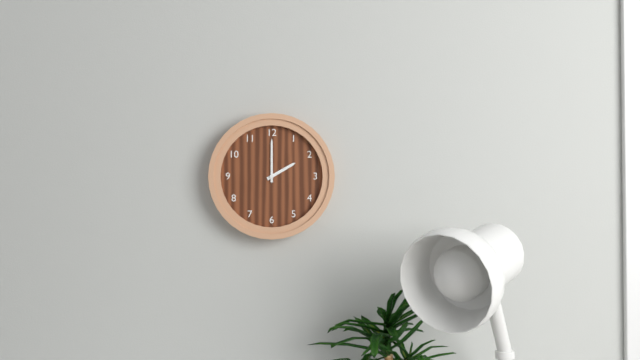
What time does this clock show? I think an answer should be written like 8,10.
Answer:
2,00
